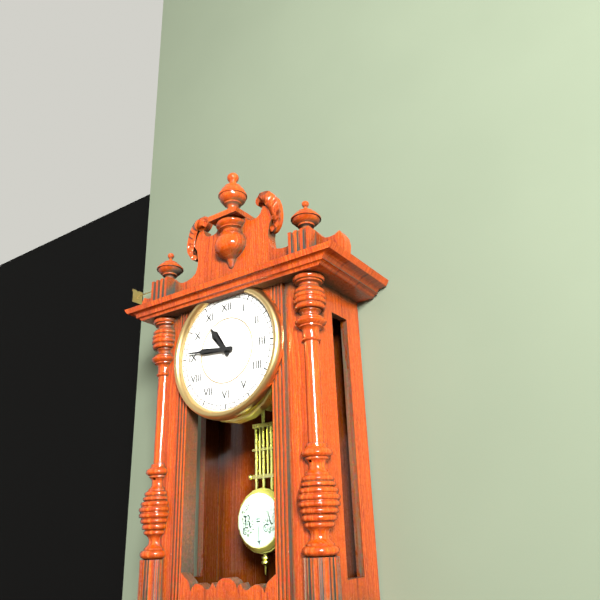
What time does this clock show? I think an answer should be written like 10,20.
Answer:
10,46
